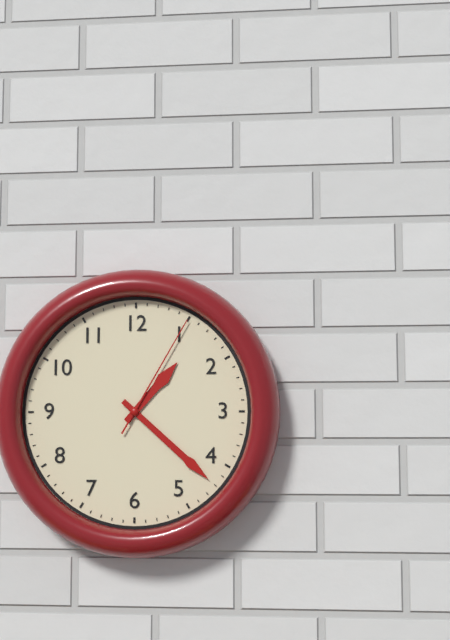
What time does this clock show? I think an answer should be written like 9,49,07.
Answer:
1,22,05
